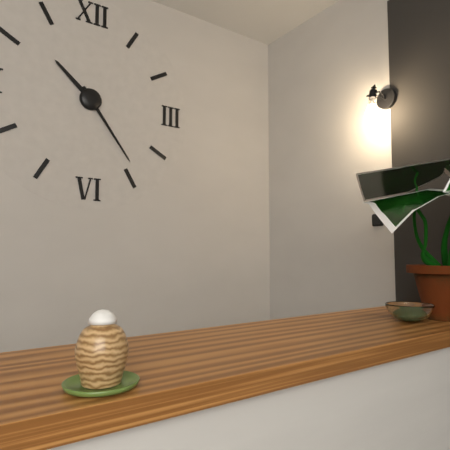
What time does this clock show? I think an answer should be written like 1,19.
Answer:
10,24
